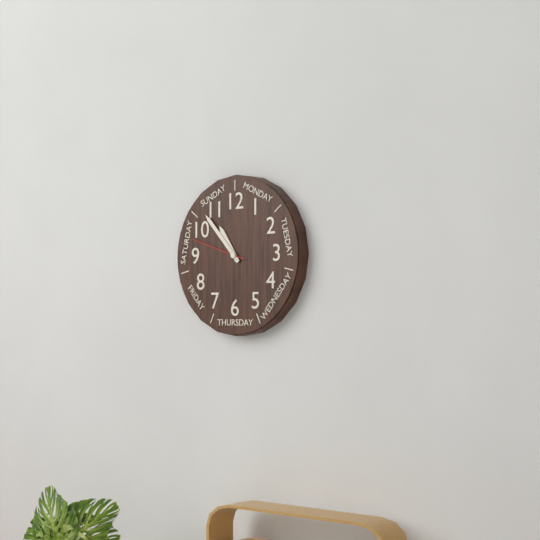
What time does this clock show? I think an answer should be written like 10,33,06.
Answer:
10,53,48
